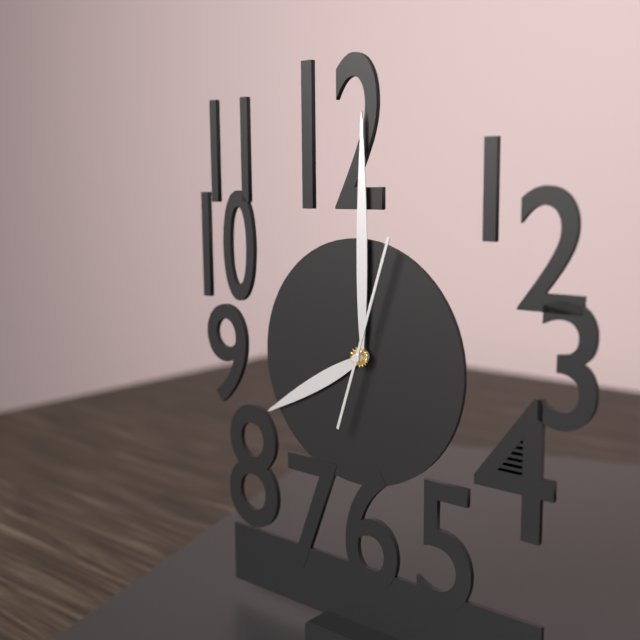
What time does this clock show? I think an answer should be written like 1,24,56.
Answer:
8,00,03
